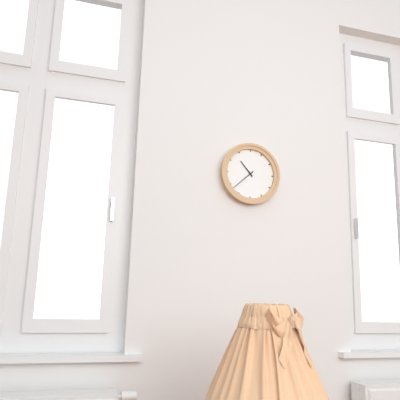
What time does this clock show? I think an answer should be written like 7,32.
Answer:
10,38
